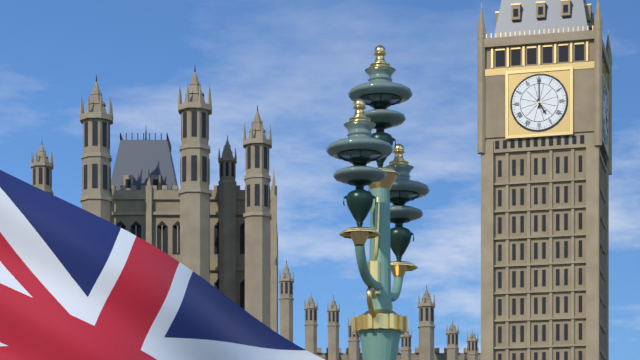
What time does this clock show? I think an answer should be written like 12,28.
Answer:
5,00
